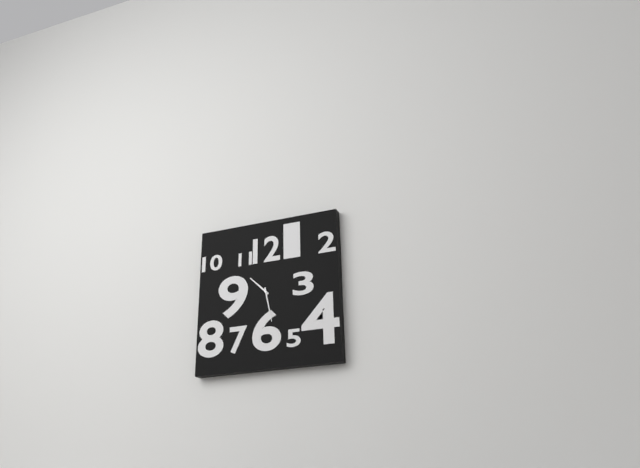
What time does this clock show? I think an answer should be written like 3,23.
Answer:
10,28
